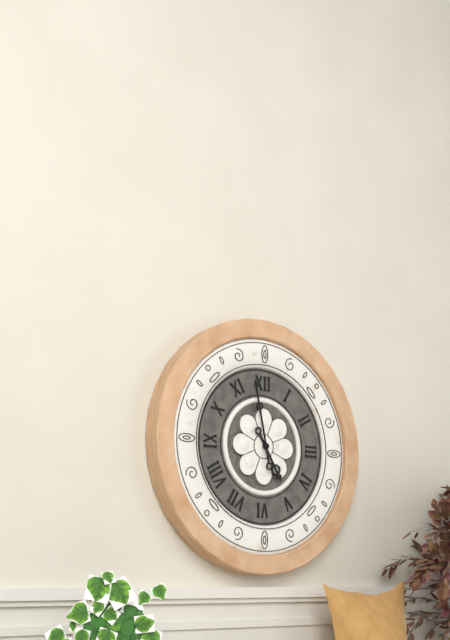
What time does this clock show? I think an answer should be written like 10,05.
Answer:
4,58
